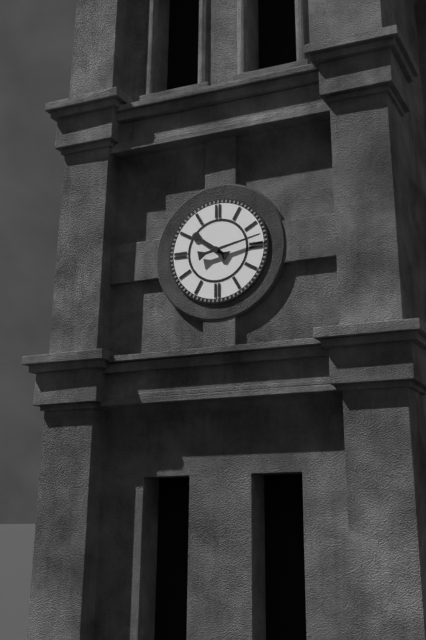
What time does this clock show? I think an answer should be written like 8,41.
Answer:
10,13
